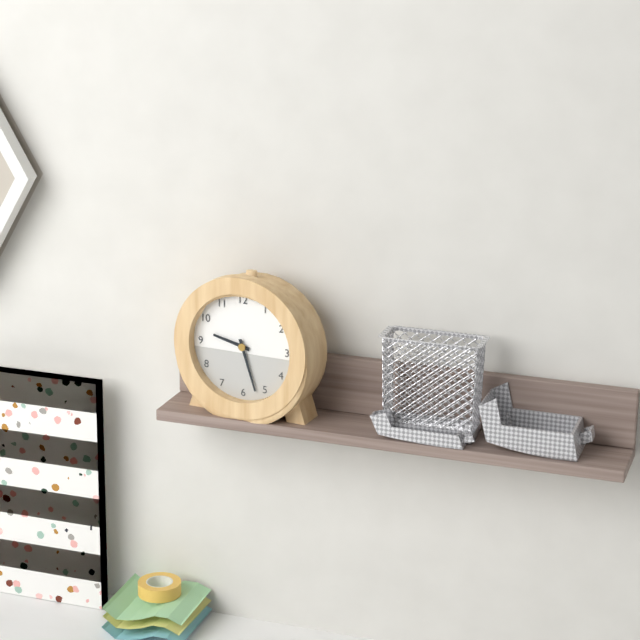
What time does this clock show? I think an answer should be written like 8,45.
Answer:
9,27
